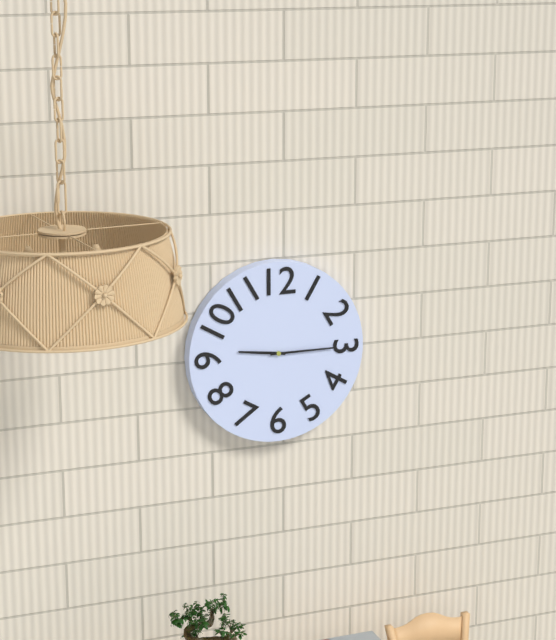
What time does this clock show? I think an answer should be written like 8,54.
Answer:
9,15
